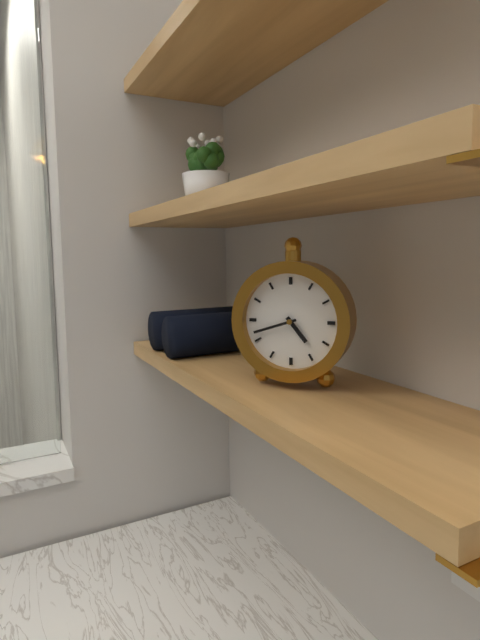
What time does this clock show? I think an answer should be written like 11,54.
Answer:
4,42
